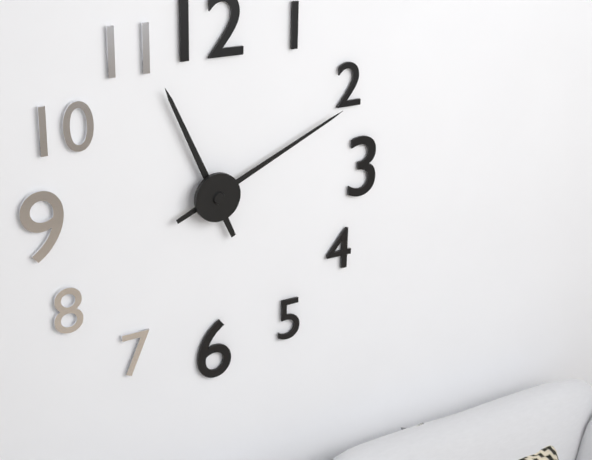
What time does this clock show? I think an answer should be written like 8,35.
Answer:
11,11
